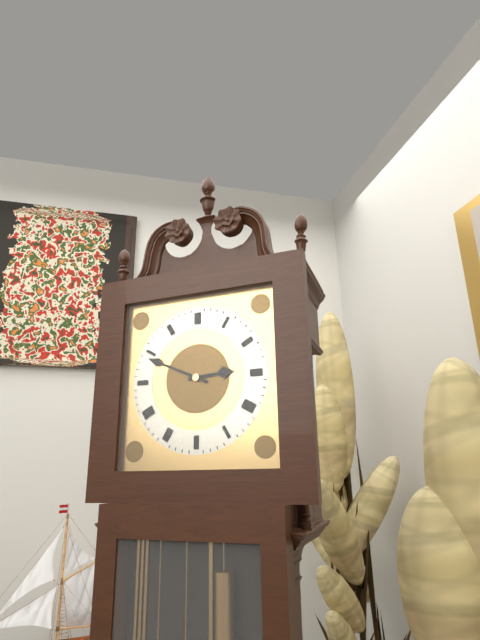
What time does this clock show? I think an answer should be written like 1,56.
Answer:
2,49
